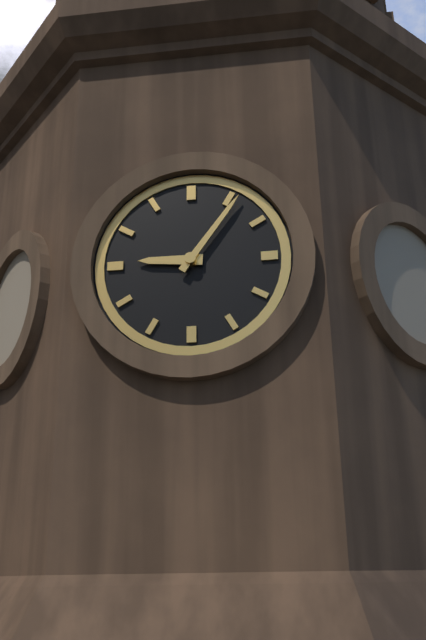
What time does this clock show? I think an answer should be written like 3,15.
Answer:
9,06
